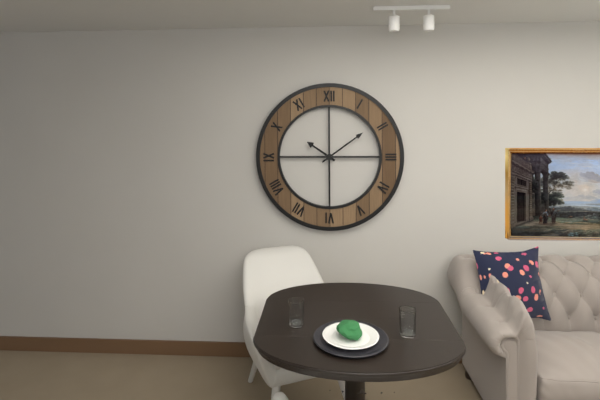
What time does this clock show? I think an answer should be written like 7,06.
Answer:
10,09
